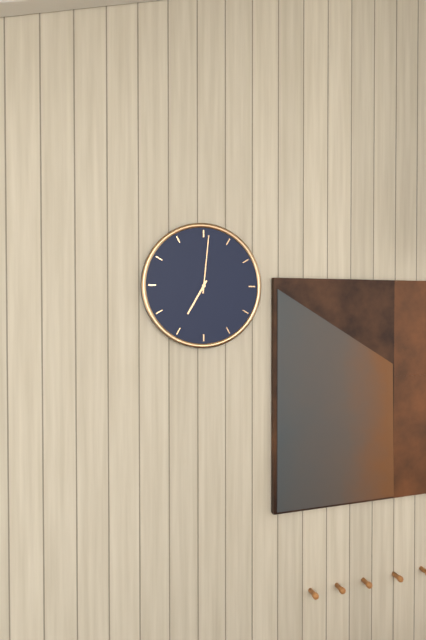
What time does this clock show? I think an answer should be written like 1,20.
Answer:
7,01
